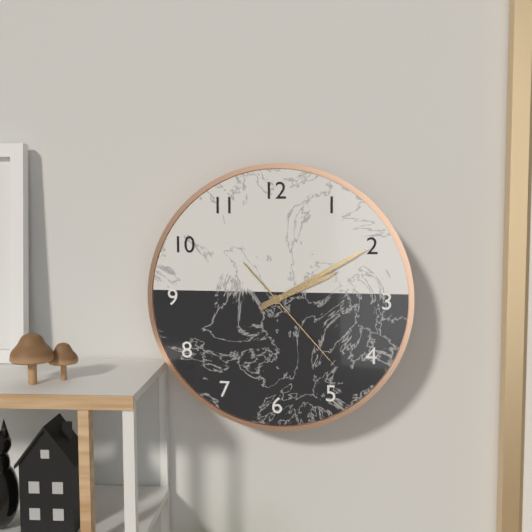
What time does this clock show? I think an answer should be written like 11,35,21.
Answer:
2,10,23
